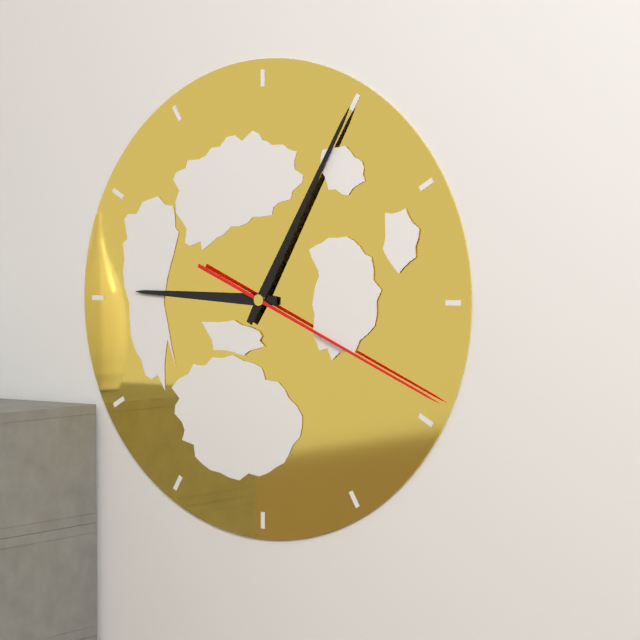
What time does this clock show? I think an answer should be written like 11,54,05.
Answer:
9,05,19
